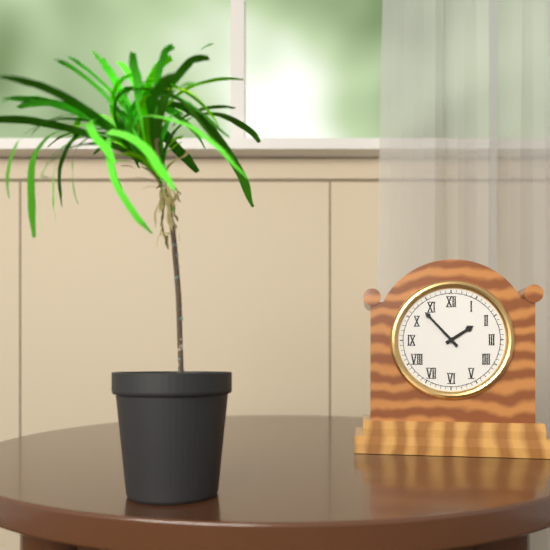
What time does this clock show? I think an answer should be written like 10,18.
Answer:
1,53
